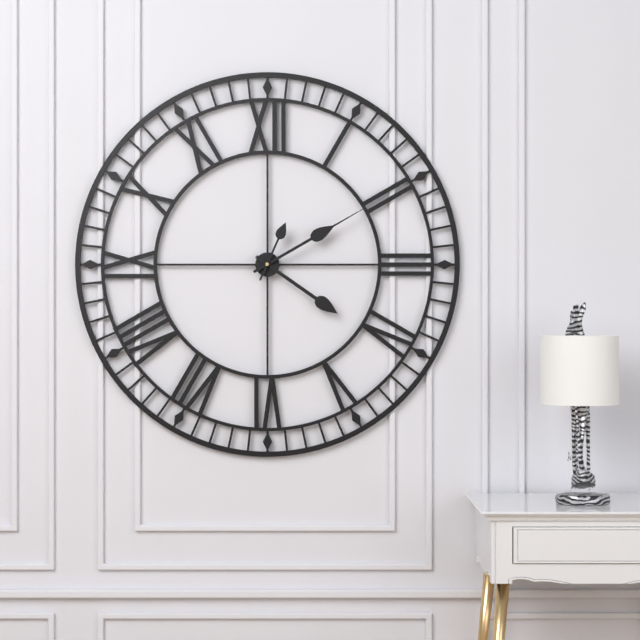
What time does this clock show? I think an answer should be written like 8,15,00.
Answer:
4,10,04
